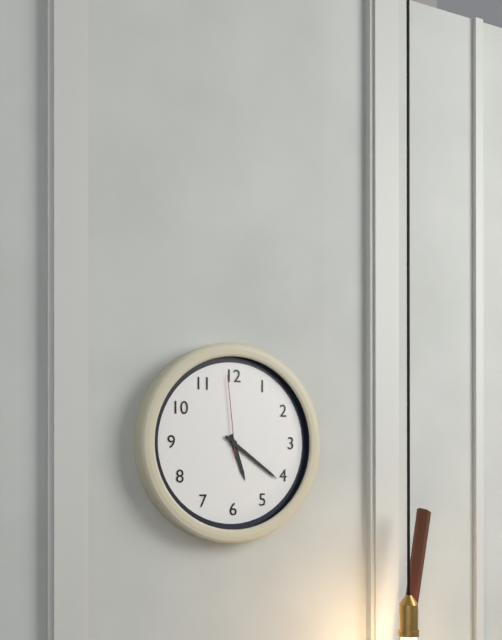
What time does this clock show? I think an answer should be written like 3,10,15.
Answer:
5,21,59
